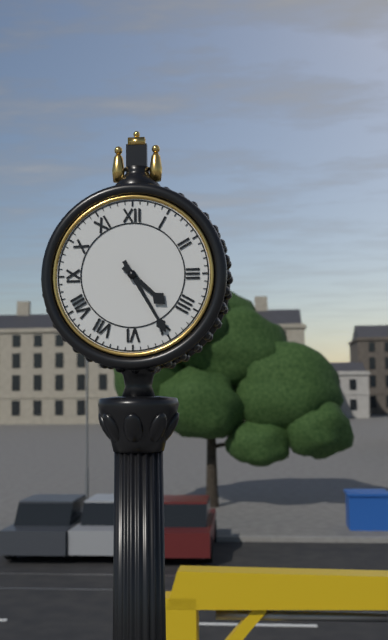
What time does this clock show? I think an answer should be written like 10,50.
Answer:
4,25
